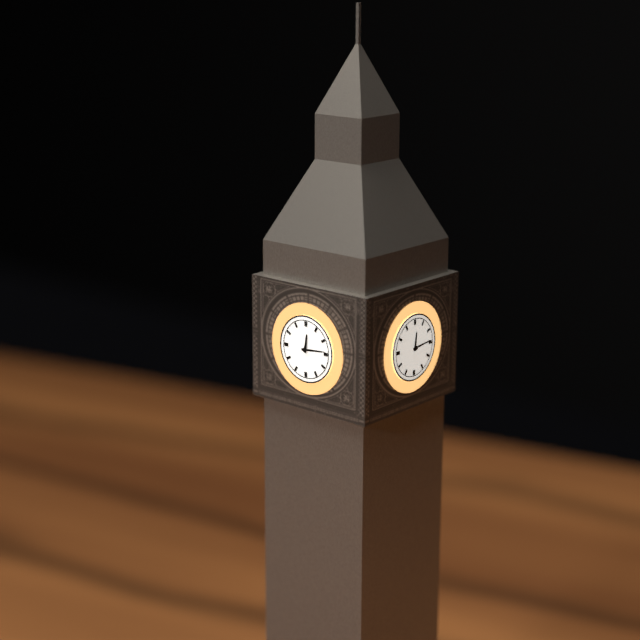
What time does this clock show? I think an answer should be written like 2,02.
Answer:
12,14
